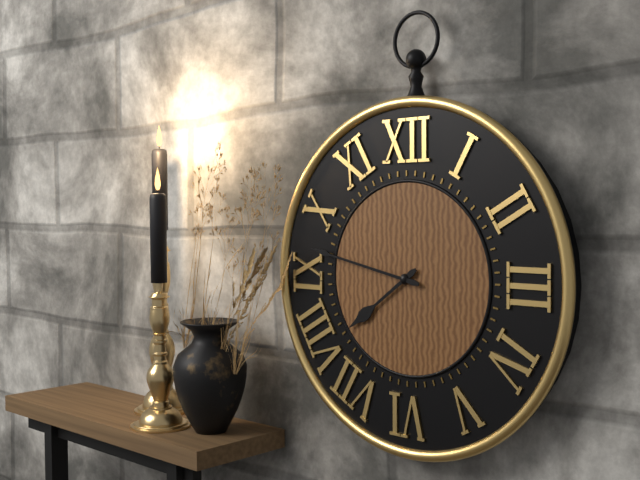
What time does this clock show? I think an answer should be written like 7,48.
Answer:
7,47
